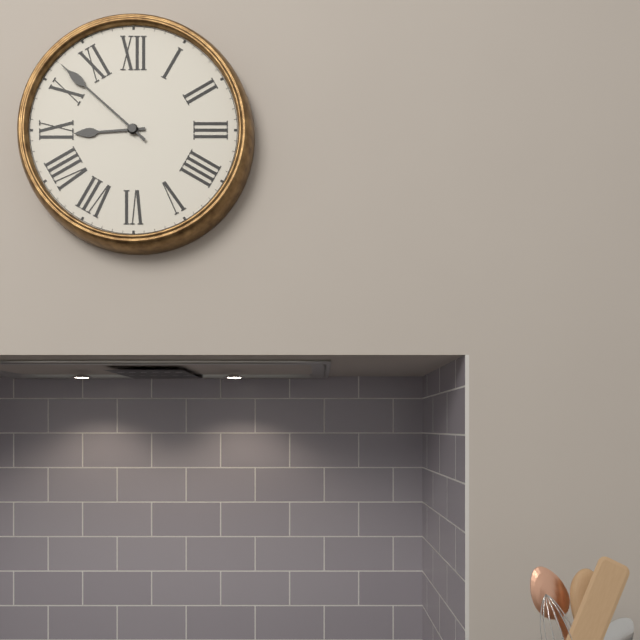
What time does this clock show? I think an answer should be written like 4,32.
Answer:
8,52
